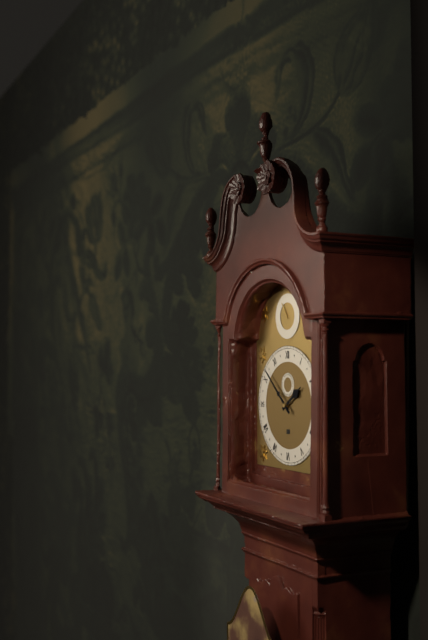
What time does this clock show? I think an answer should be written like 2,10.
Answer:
1,52
